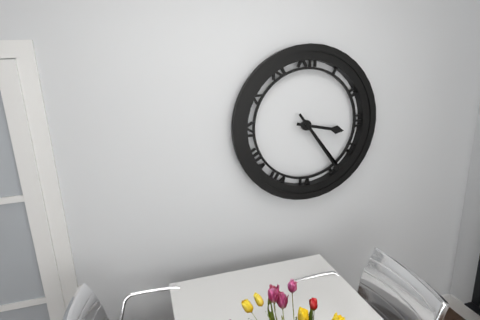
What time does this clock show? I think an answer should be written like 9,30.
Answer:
3,24
